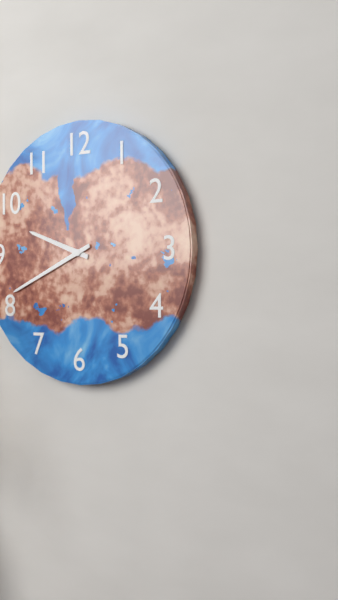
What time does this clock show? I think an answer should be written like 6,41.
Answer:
9,41
